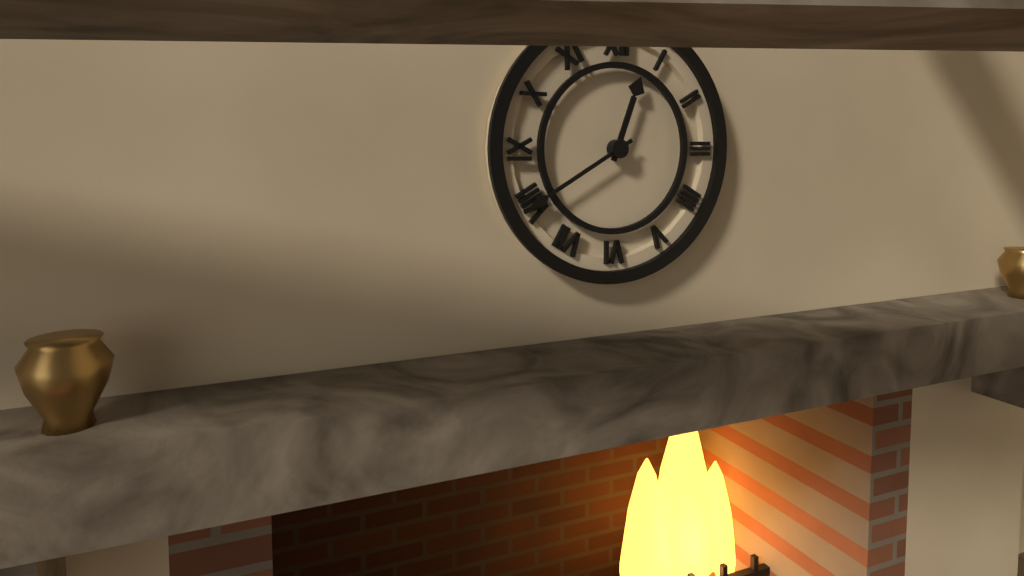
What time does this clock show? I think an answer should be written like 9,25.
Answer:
12,40
